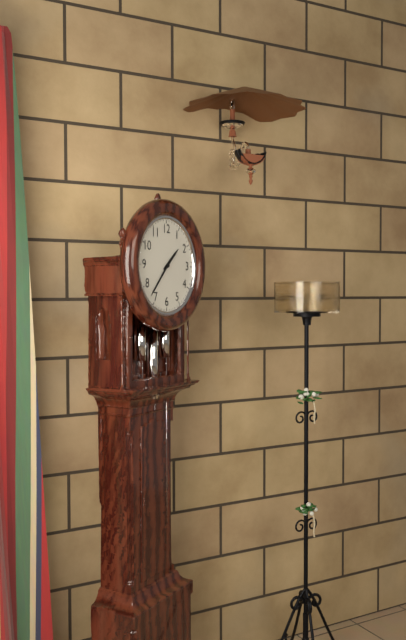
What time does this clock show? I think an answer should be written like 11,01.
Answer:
1,37
